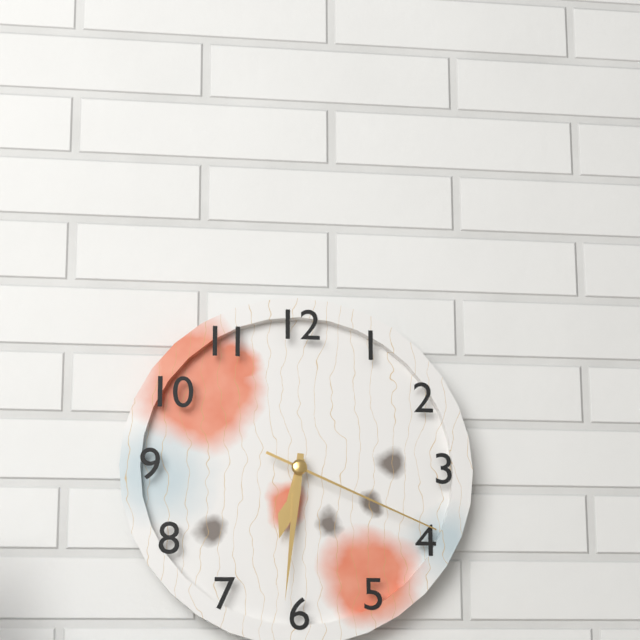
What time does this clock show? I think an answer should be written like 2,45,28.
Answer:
6,31,19
